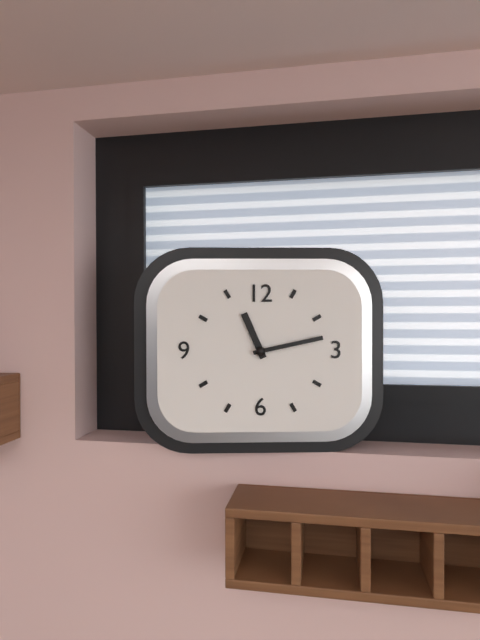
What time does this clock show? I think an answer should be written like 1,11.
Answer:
11,13
